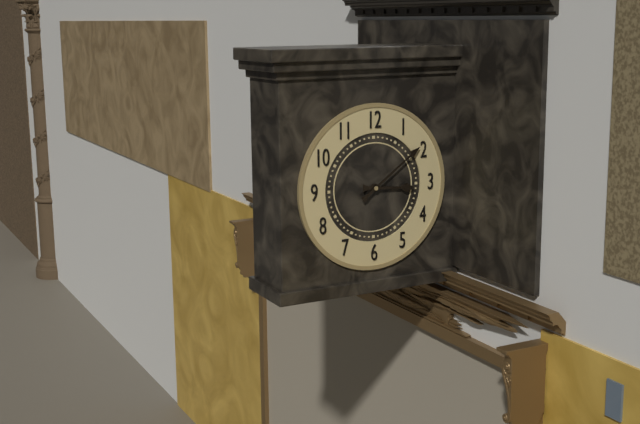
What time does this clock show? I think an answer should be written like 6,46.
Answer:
3,09
